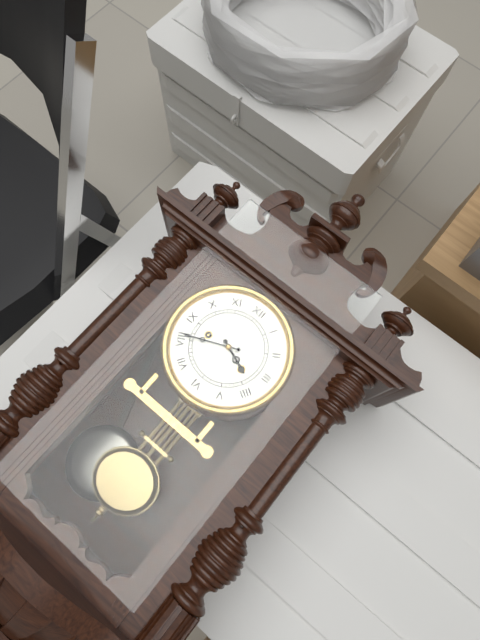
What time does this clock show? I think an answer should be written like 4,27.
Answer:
3,41
